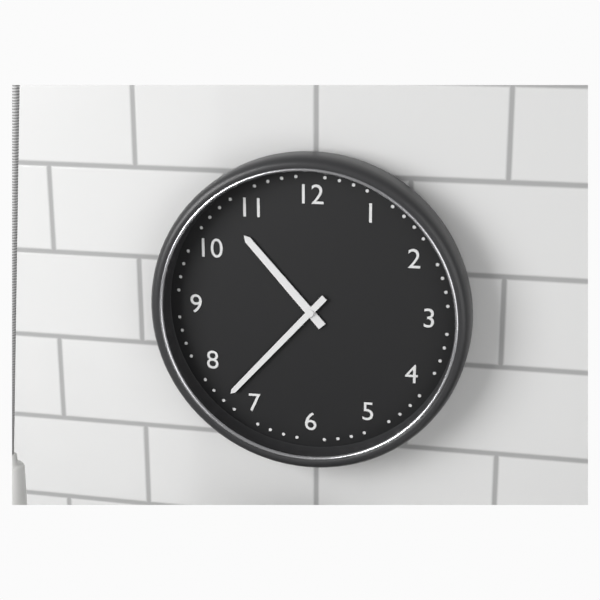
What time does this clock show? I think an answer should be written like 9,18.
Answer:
10,37
